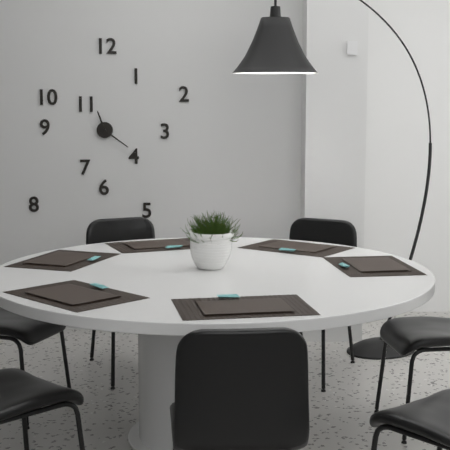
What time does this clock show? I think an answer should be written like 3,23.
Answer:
11,21
